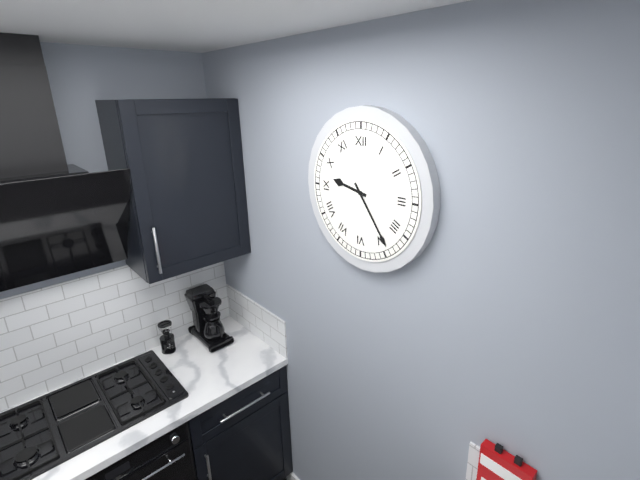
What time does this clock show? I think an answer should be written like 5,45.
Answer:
9,24
